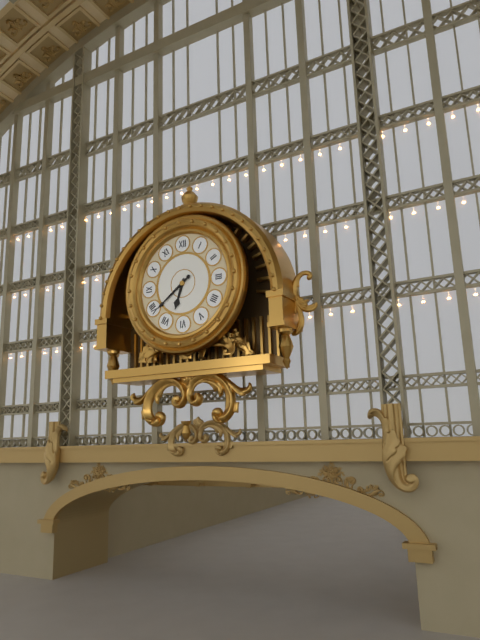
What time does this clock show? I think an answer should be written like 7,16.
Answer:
6,39
